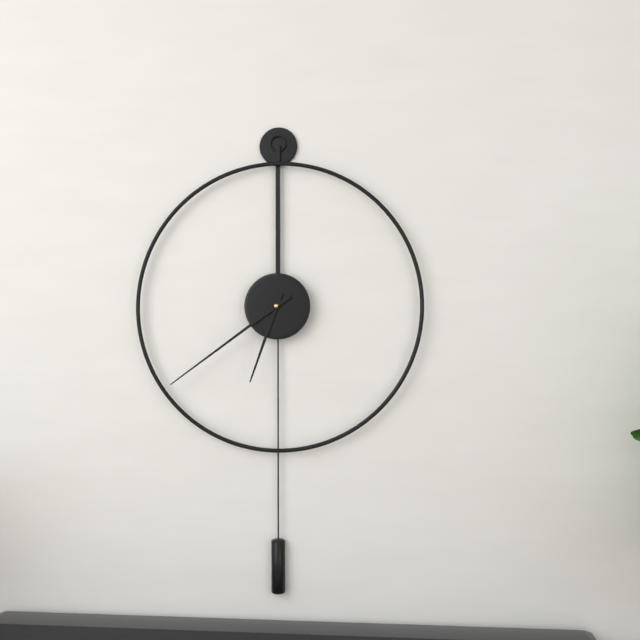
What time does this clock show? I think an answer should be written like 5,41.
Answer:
6,39
